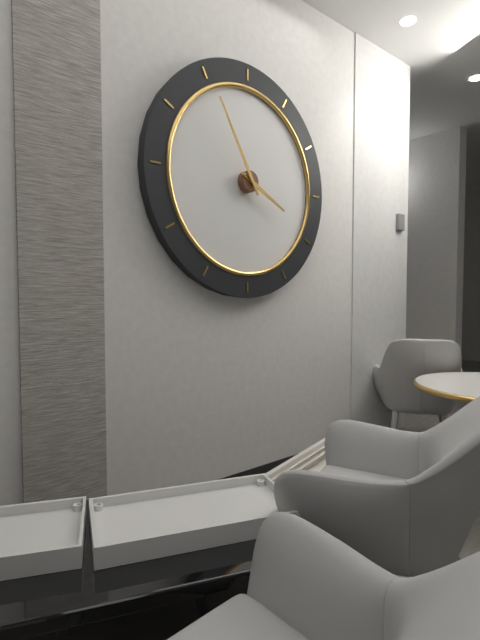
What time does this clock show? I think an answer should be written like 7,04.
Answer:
3,55
